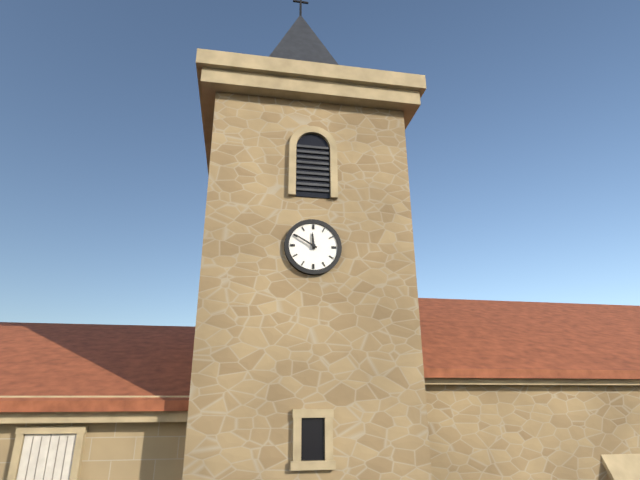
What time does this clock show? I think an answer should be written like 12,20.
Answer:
11,50
